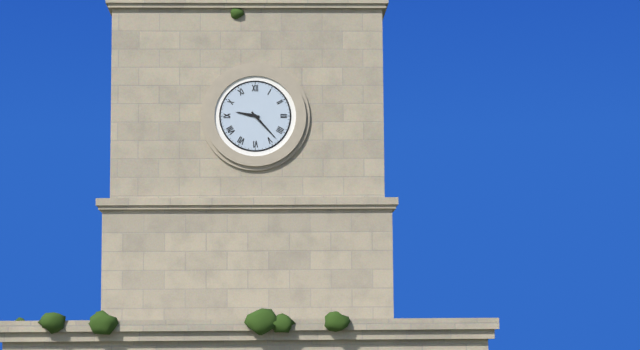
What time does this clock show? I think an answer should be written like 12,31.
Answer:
9,23
